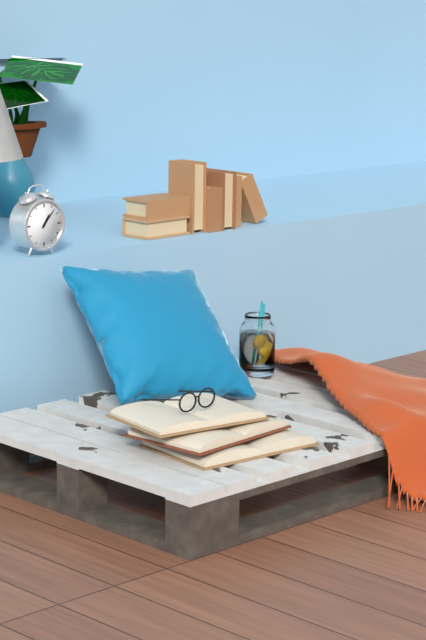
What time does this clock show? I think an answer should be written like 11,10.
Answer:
1,07
